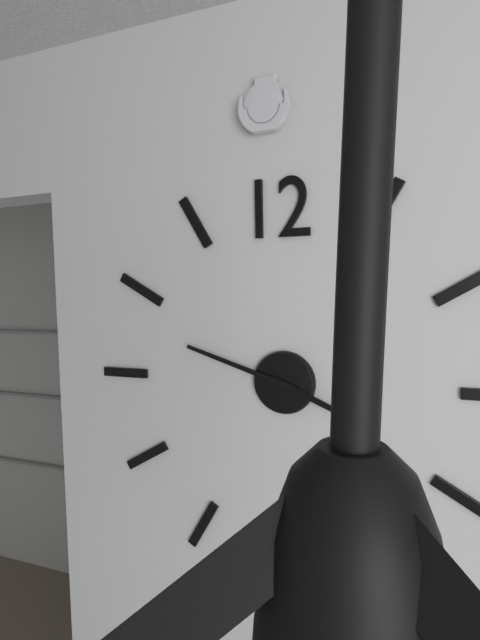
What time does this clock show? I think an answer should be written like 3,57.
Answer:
3,48
